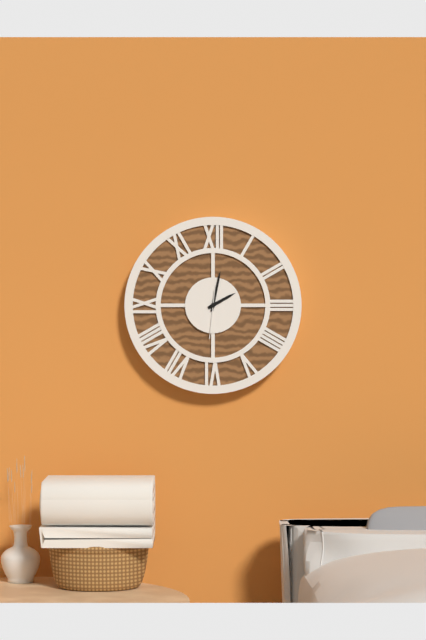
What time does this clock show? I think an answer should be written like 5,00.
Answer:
2,02
